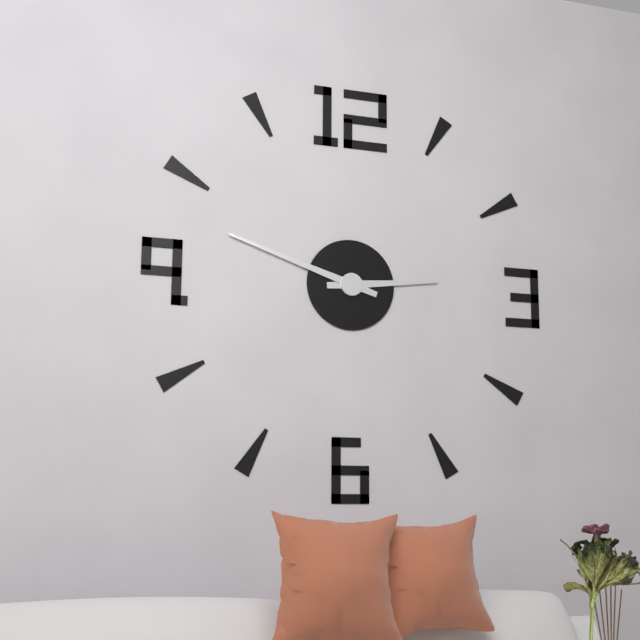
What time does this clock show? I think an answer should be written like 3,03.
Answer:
2,48
